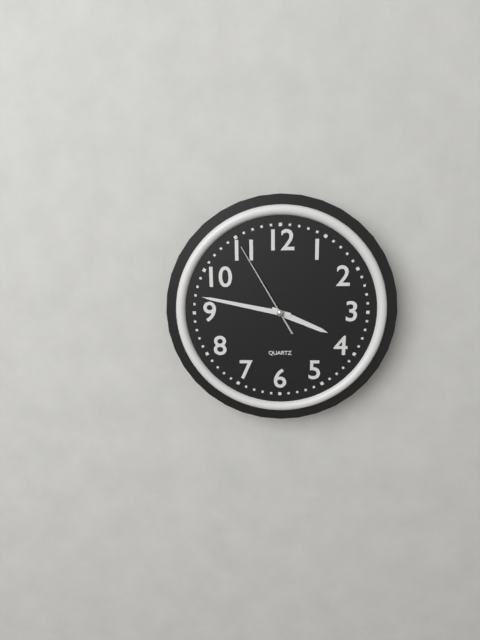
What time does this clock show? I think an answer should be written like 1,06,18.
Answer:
3,47,55
